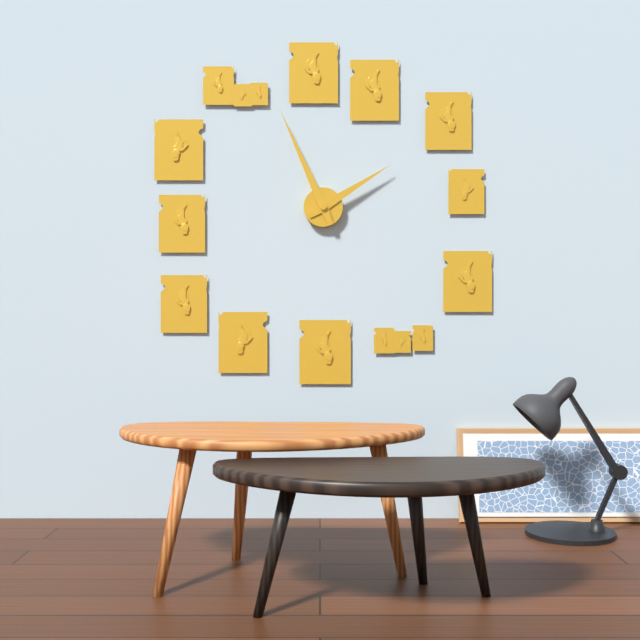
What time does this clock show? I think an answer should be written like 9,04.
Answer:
1,56
